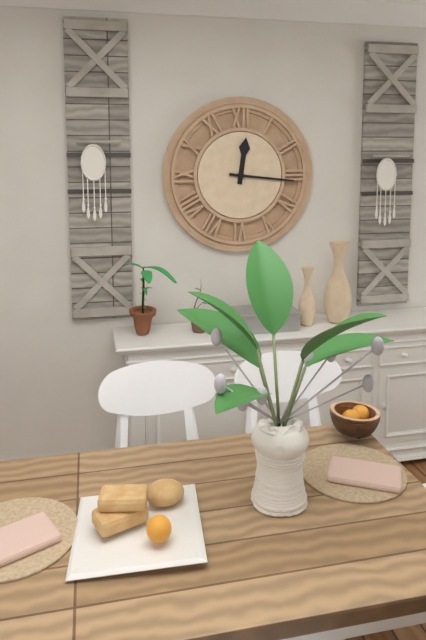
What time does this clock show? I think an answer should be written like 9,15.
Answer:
12,16
